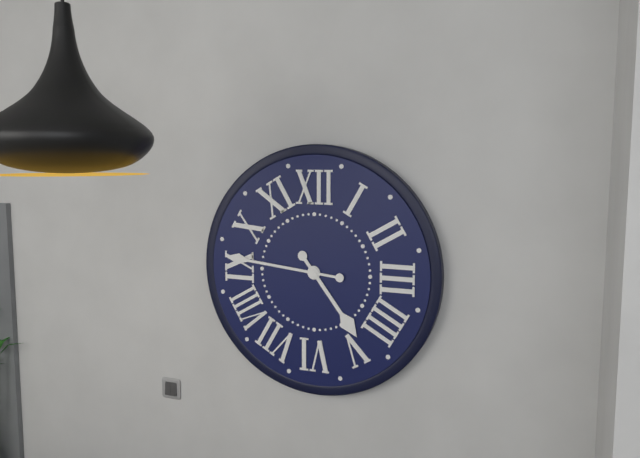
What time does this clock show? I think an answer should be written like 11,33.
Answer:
4,46
